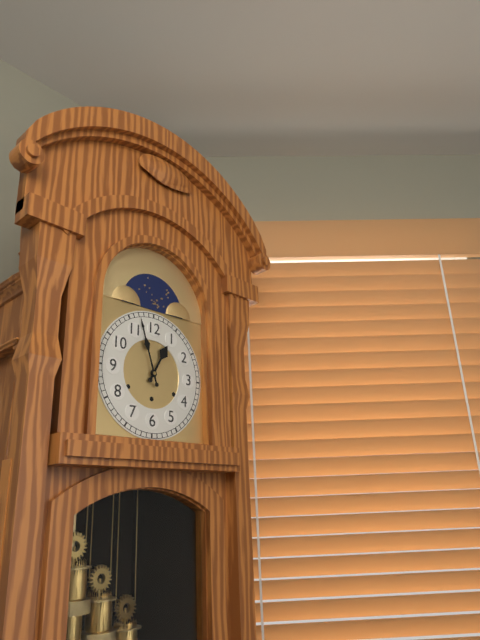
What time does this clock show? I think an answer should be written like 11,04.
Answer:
12,57
